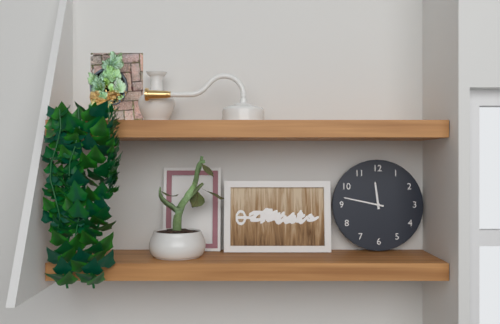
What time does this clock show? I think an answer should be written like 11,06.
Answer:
11,47
